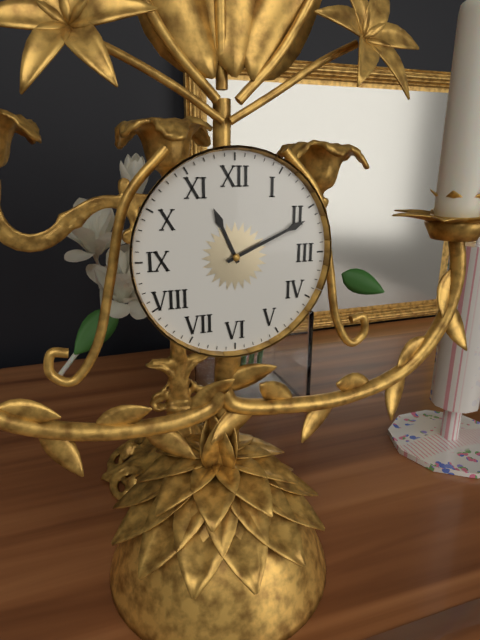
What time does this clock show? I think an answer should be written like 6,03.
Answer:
11,11
